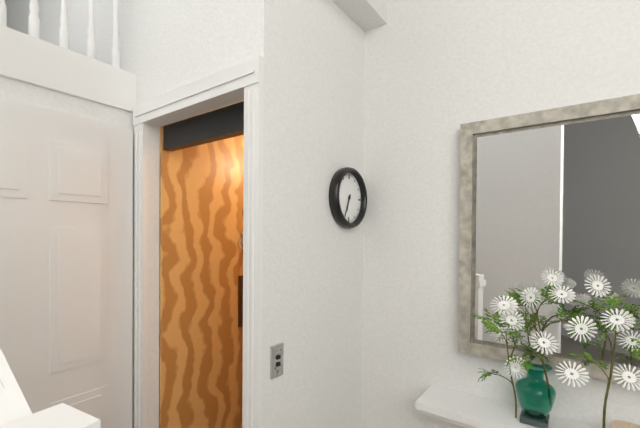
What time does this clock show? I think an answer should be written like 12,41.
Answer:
6,34
